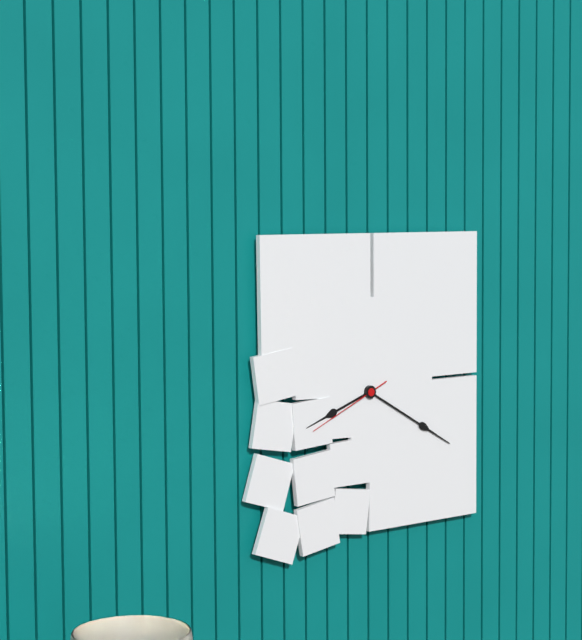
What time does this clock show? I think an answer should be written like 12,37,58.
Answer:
8,20,41
